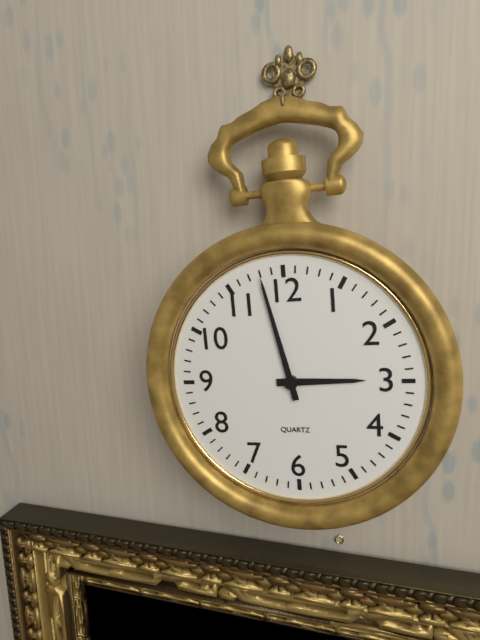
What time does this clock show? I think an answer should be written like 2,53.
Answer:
2,58
